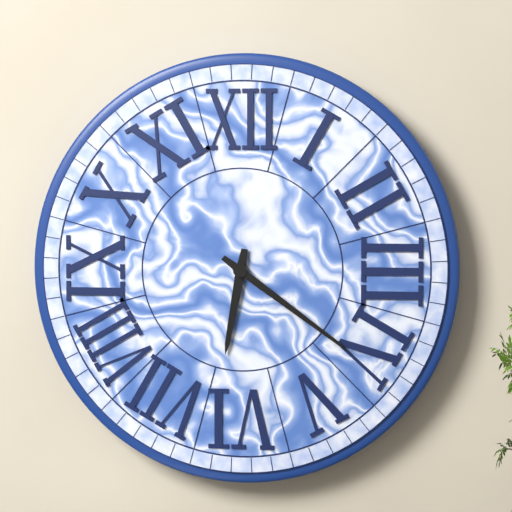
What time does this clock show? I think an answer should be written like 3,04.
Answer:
6,21
